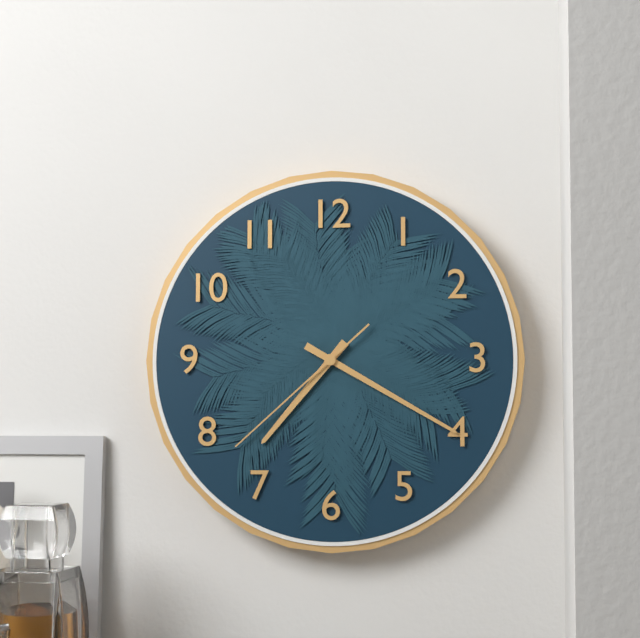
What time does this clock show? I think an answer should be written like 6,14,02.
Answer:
7,20,38
